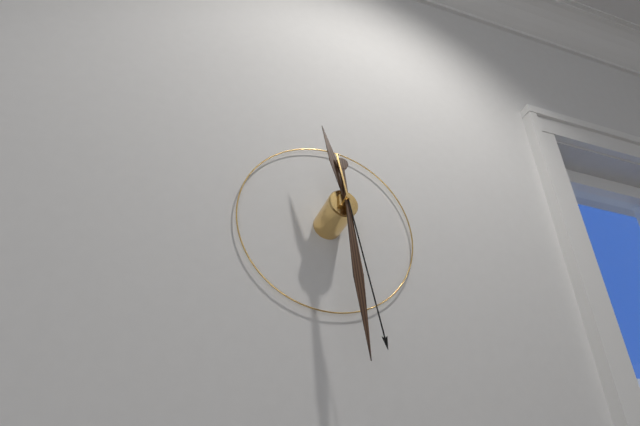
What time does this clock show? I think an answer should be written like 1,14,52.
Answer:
11,29,28
